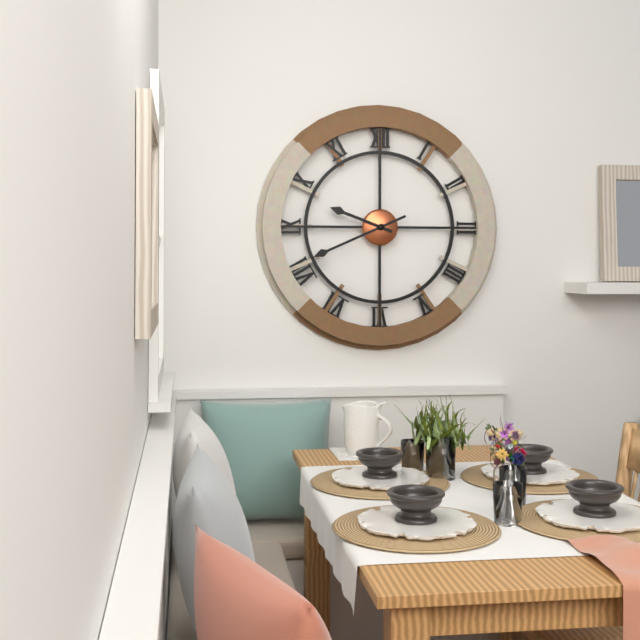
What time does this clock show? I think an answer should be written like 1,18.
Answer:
9,41
